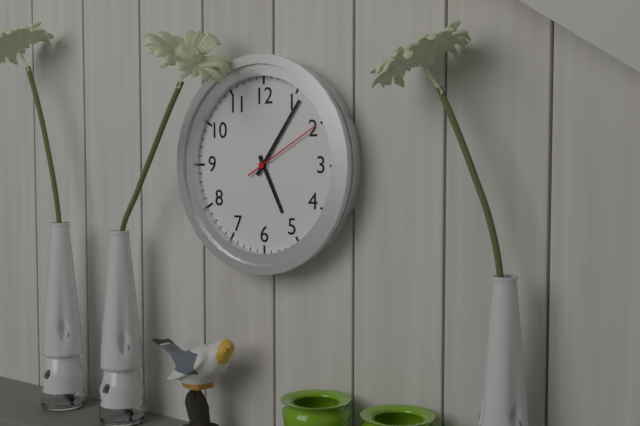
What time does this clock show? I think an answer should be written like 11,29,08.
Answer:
5,06,10
